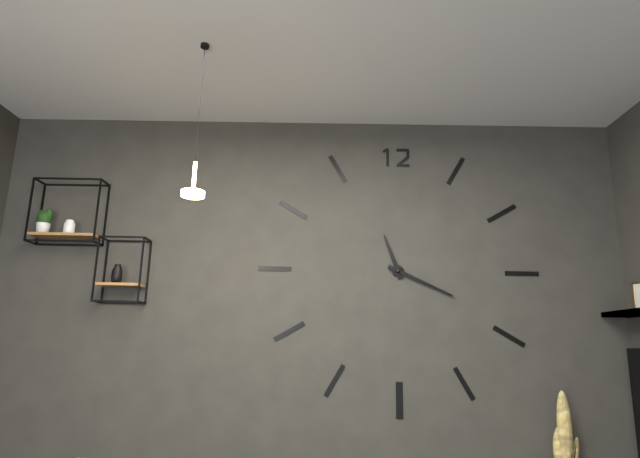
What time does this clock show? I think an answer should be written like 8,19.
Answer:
11,19
